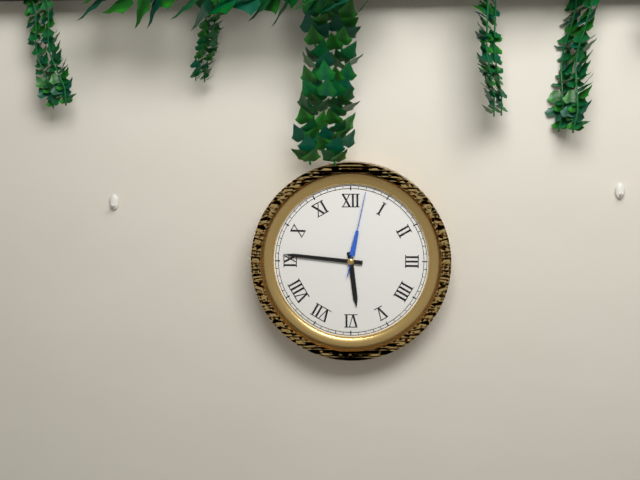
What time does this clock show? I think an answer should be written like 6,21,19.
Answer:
5,46,02
